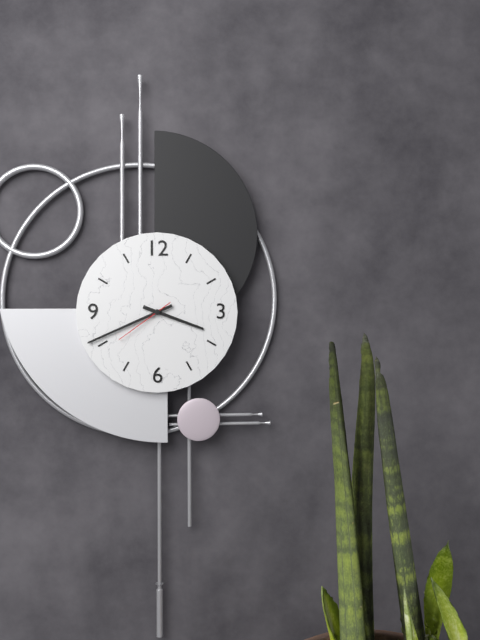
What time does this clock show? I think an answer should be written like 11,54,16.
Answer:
3,41,39
